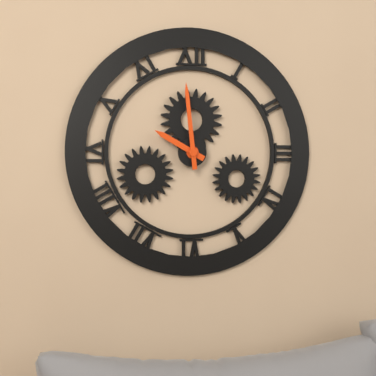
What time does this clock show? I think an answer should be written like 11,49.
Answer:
9,59
